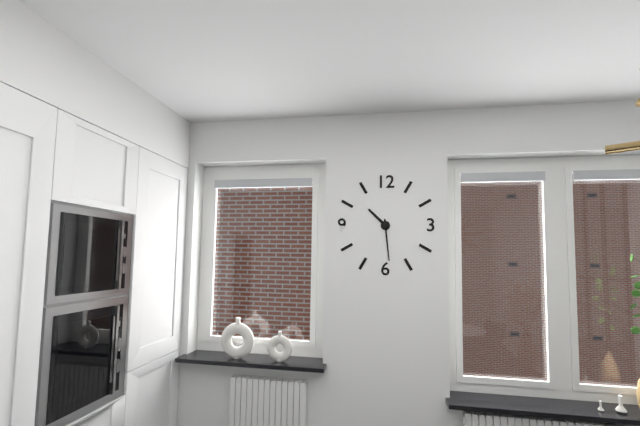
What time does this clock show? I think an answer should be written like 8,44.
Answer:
10,29
